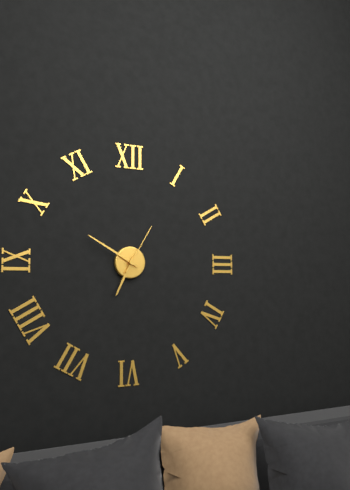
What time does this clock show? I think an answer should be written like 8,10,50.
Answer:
6,50,05
